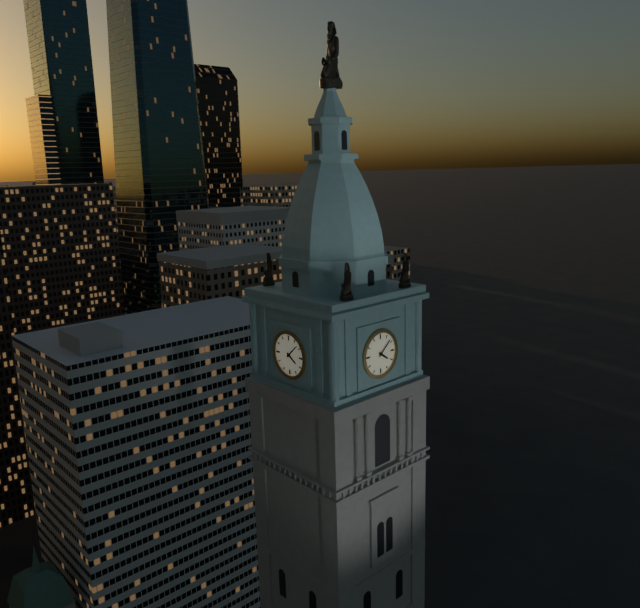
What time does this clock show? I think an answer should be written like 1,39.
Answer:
4,08
